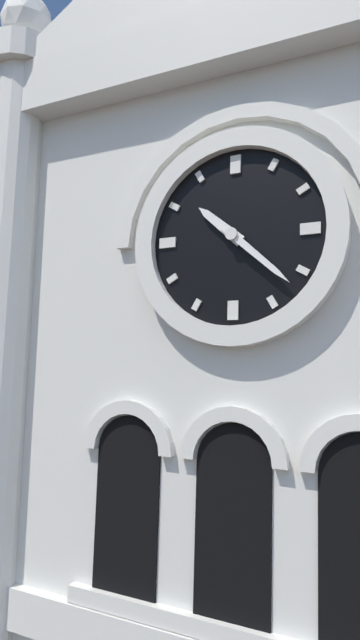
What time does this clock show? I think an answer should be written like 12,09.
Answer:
10,22
